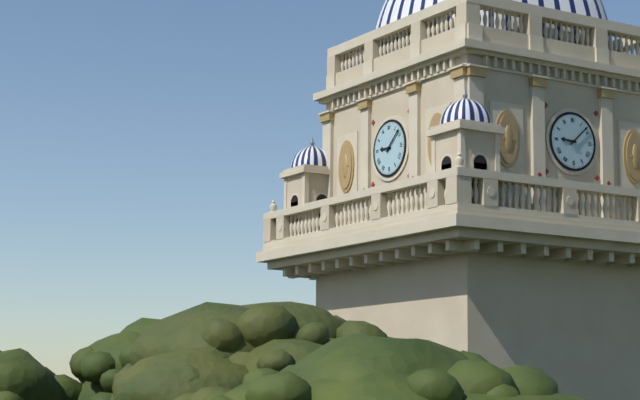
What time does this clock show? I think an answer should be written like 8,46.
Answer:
9,08
